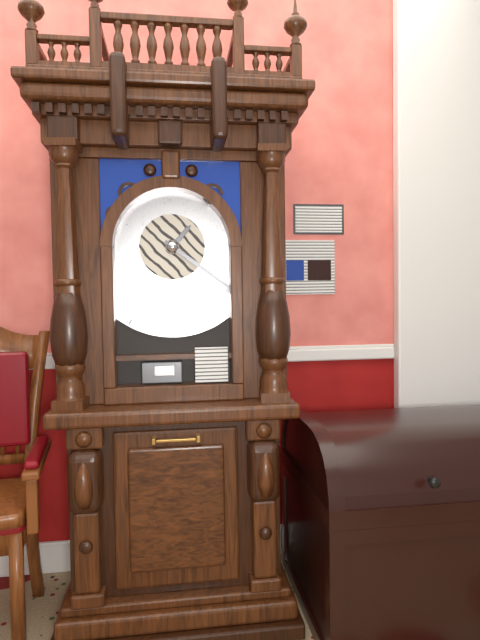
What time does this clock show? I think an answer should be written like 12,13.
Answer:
1,21
